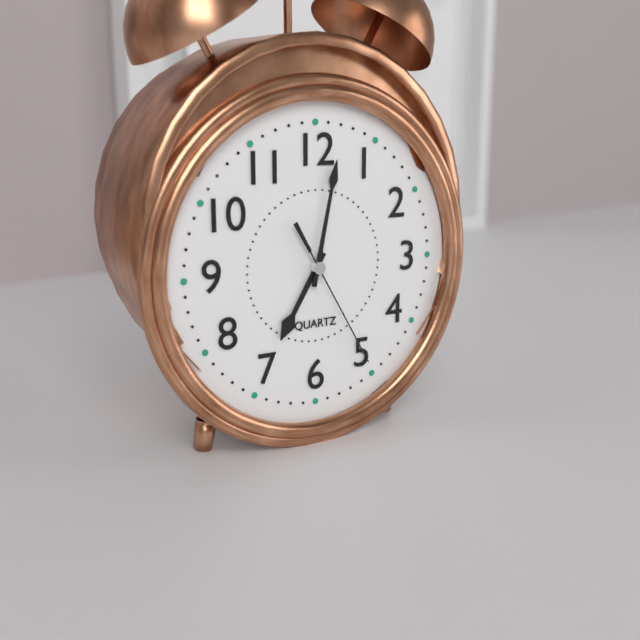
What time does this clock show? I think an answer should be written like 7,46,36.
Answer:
7,02,25
